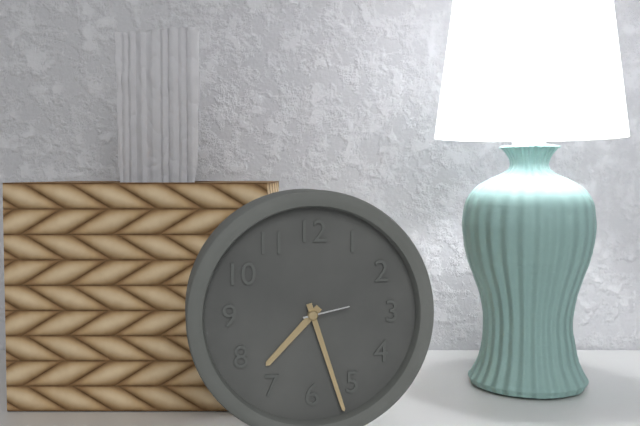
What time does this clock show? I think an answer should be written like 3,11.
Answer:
7,27
